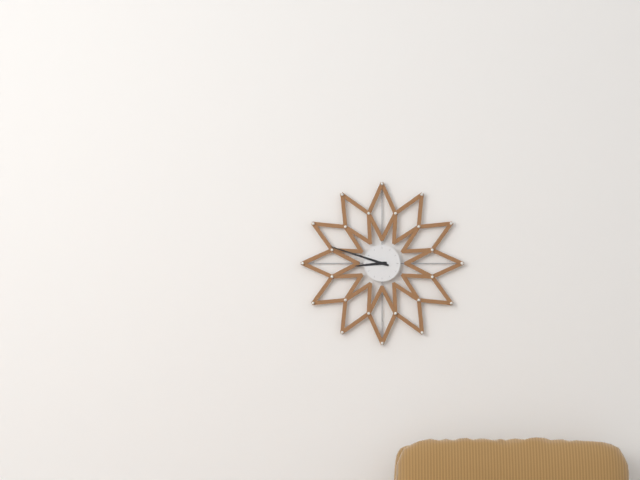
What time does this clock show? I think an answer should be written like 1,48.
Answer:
8,48
